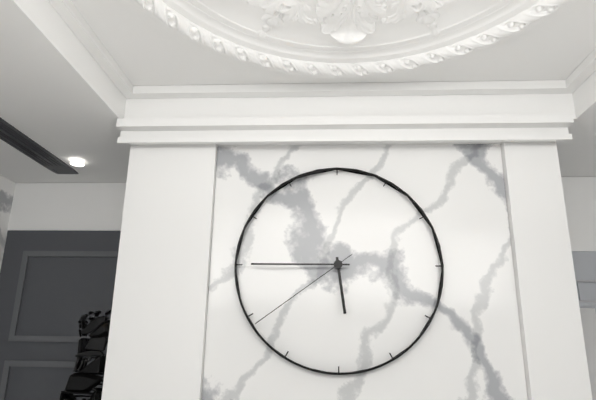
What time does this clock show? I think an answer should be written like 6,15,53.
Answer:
5,45,39
